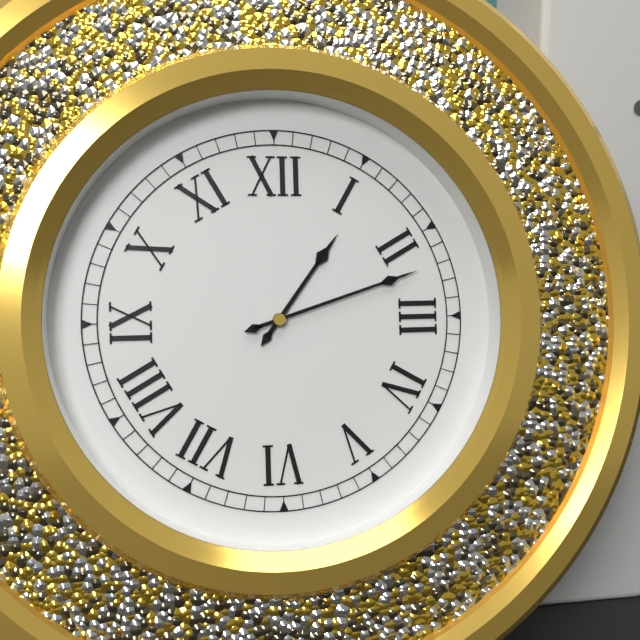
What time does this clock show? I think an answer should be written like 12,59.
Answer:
1,12
